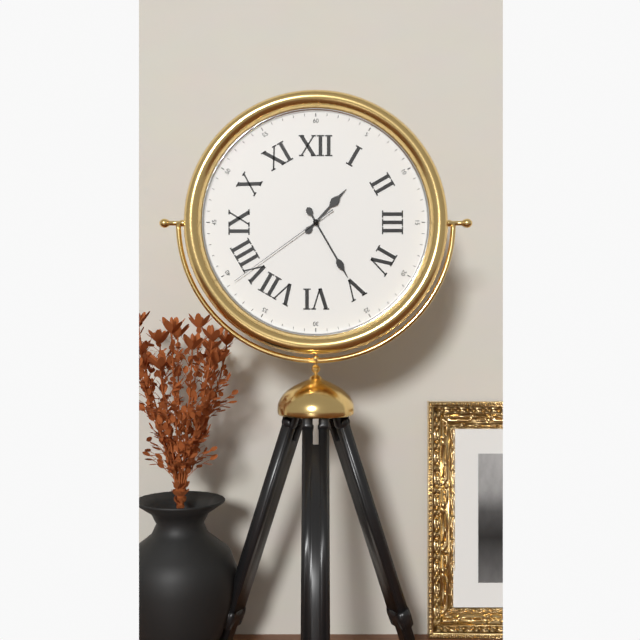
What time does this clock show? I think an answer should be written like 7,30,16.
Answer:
1,25,39
